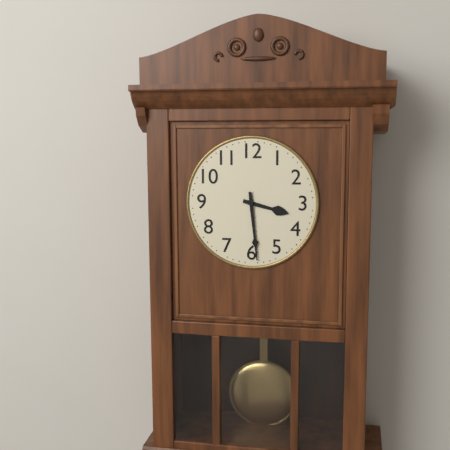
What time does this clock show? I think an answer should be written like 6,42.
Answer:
3,29
